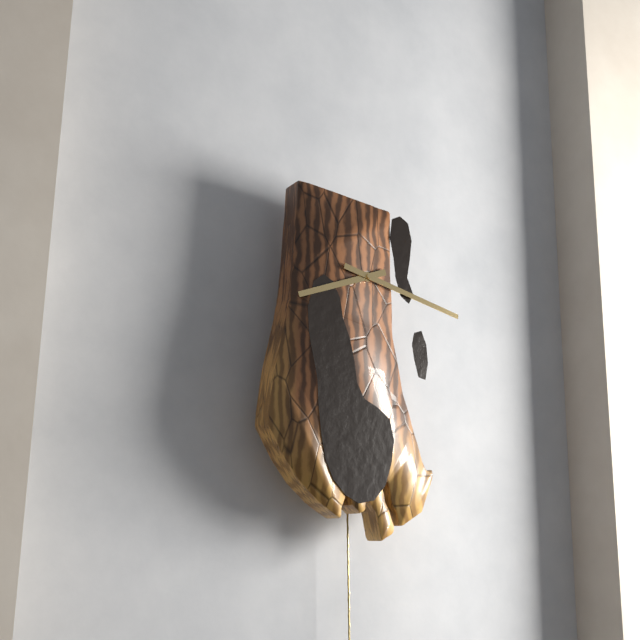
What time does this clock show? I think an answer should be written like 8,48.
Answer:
8,17
